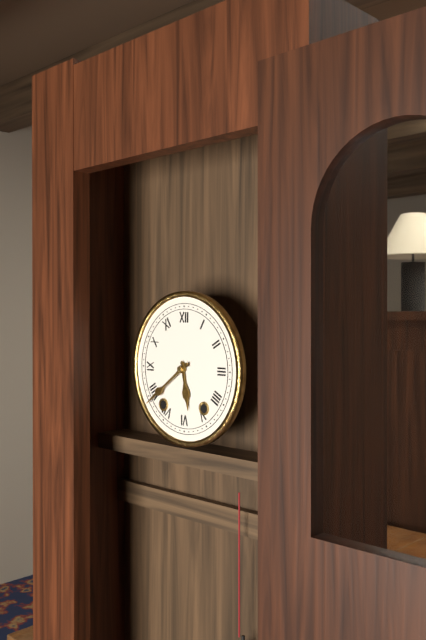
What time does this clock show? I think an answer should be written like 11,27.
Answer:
5,39
